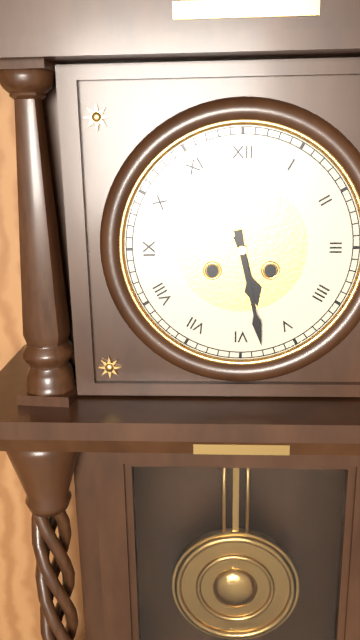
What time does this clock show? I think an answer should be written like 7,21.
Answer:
5,28
